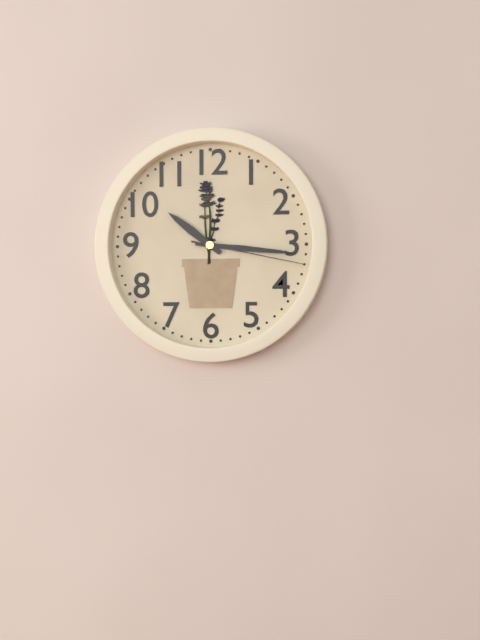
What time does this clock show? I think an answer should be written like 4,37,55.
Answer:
10,16,17
